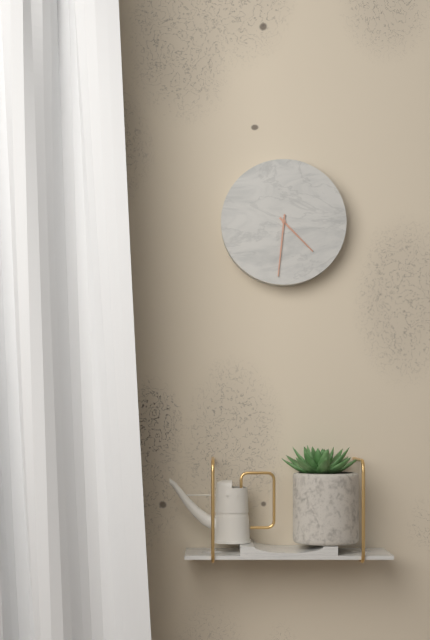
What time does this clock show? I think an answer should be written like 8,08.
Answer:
4,31
